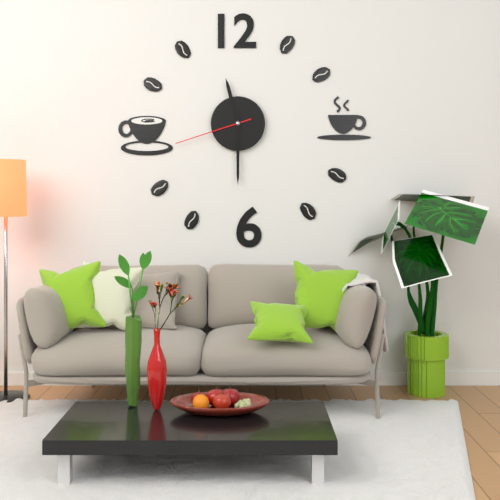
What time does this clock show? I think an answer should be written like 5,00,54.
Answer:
11,30,42
